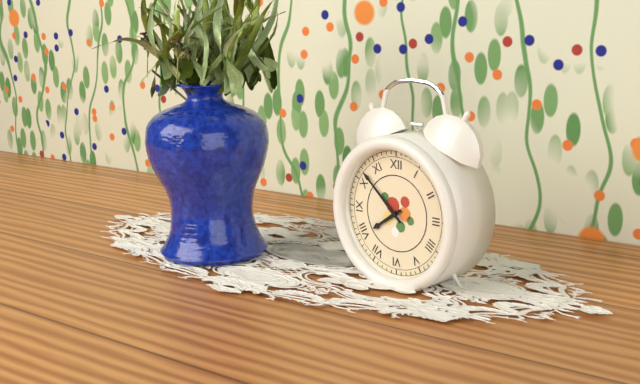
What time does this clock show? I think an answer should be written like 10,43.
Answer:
7,52
